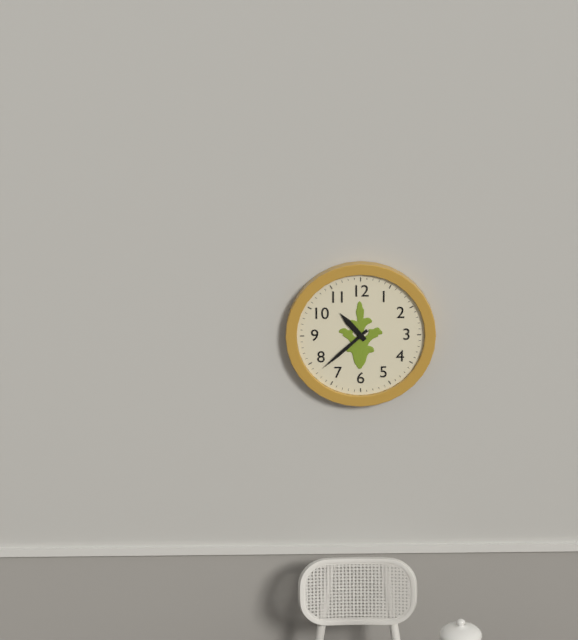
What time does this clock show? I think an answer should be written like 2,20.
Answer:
10,38
